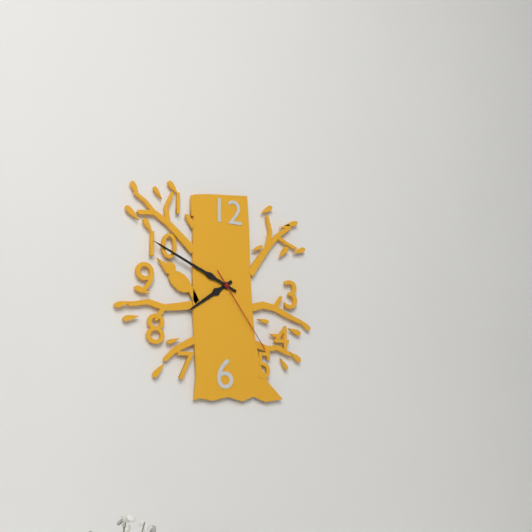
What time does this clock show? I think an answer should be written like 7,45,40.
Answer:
7,49,24
